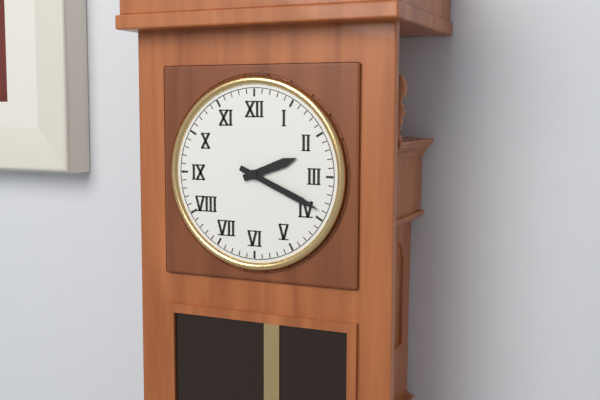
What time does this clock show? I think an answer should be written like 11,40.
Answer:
2,19
